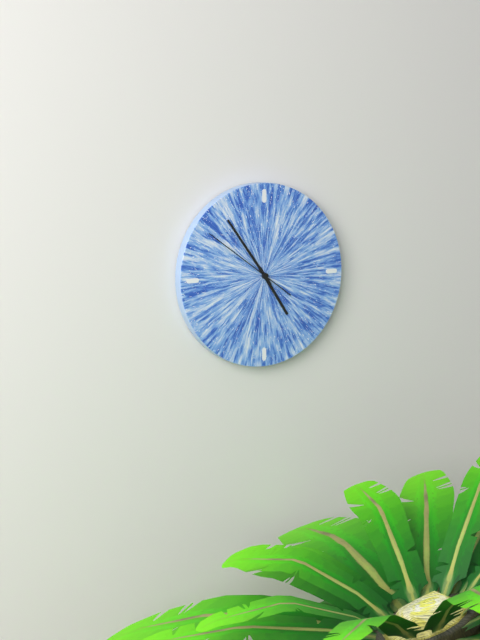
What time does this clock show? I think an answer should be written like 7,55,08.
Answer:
4,54,51
